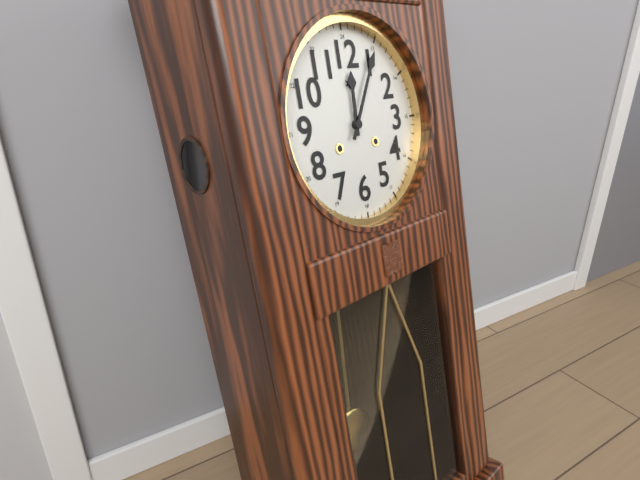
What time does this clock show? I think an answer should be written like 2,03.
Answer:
12,05
